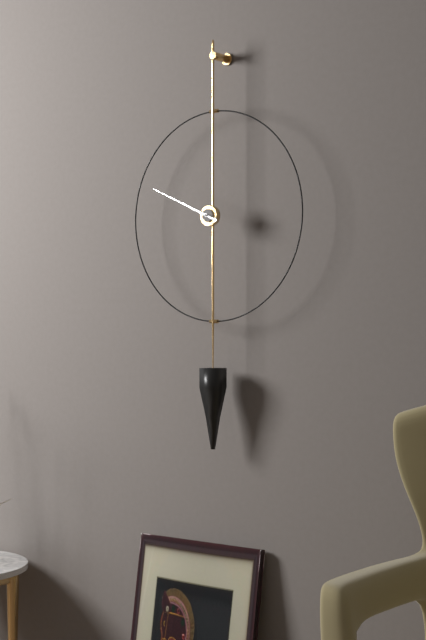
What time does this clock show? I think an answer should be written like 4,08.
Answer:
9,49
